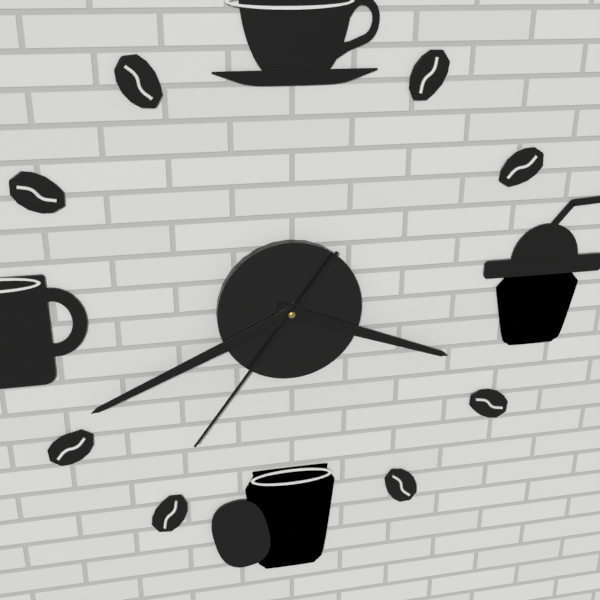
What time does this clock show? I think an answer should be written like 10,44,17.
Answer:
3,41,36
